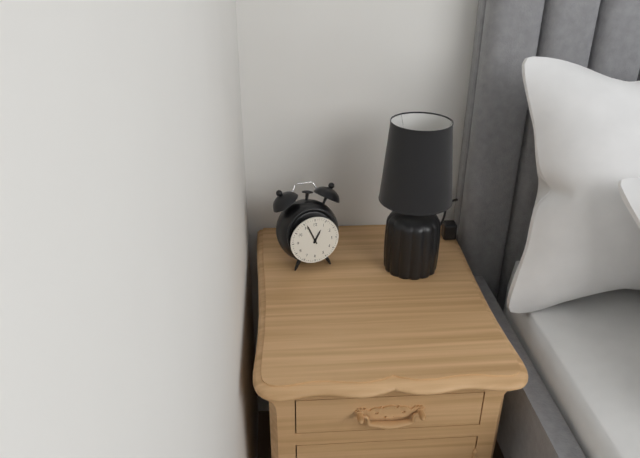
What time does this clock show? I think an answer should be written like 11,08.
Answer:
12,56
